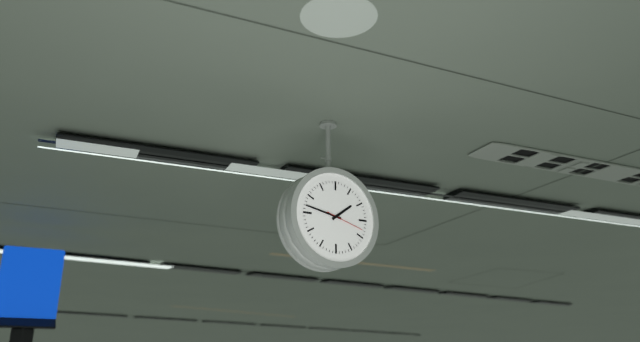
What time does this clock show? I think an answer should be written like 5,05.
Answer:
1,47
